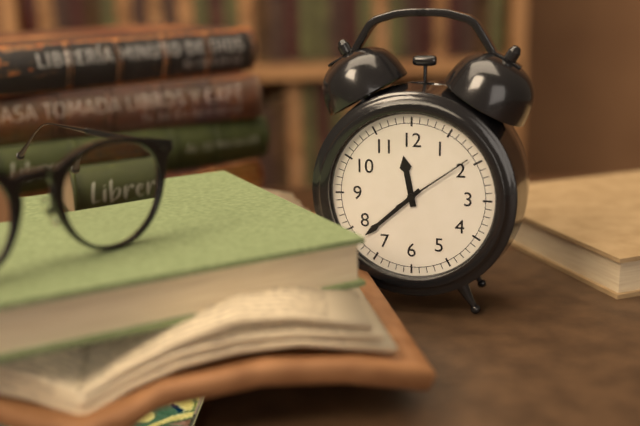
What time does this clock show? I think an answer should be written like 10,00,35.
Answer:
11,38,09
